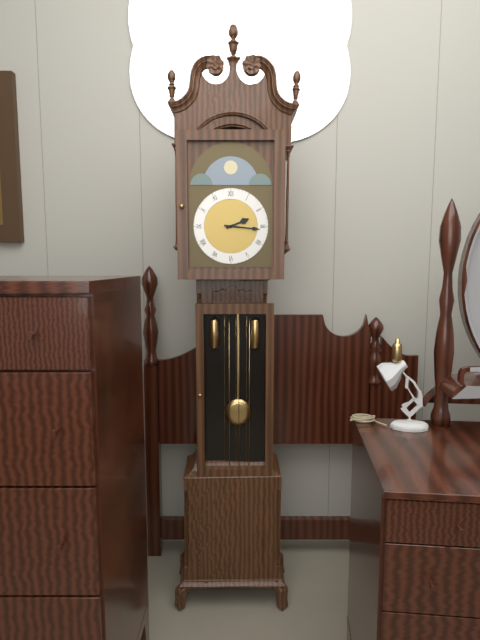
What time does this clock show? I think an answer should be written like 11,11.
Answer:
2,16
